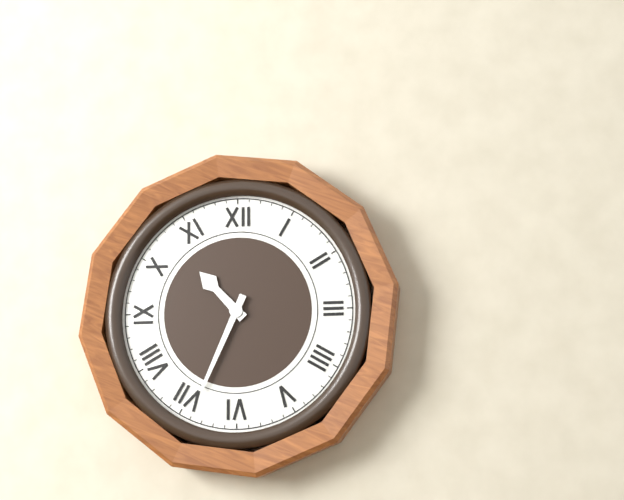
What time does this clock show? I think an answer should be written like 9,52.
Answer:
10,34
